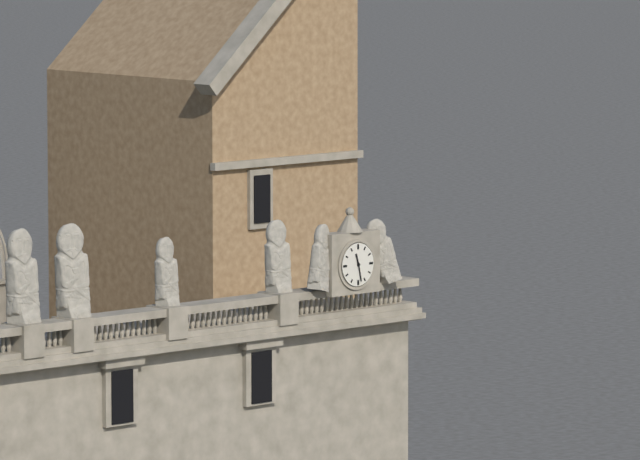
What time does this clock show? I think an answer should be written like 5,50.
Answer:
11,28
